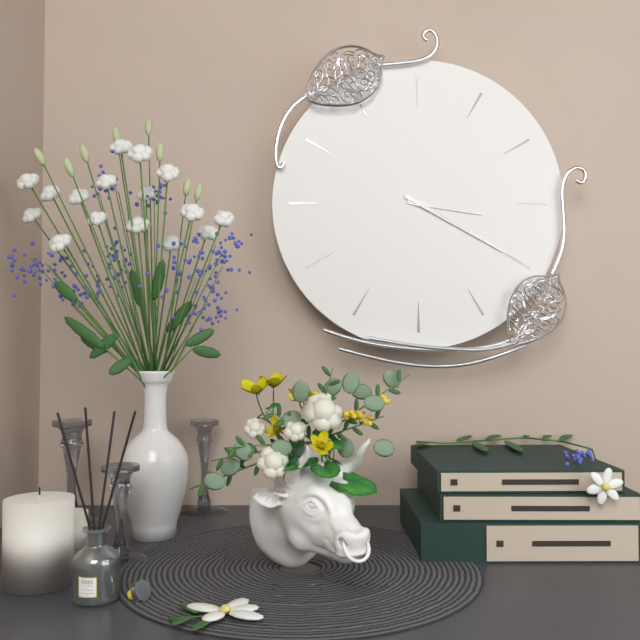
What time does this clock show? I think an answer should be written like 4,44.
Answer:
3,20
